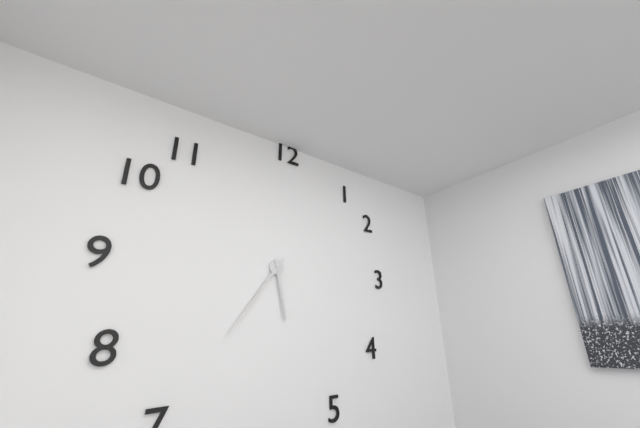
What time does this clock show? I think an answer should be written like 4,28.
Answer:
5,36
